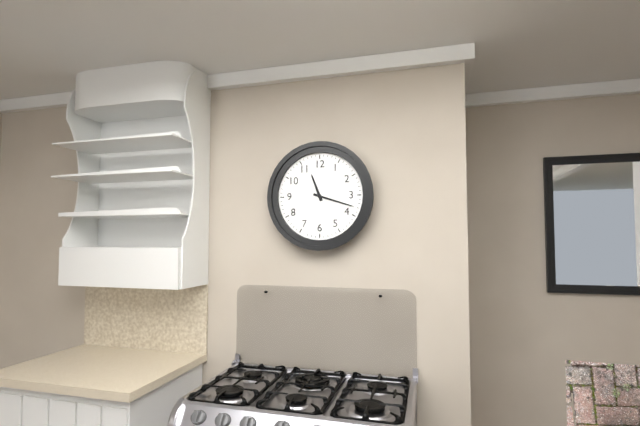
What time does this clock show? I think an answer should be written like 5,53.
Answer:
11,18
